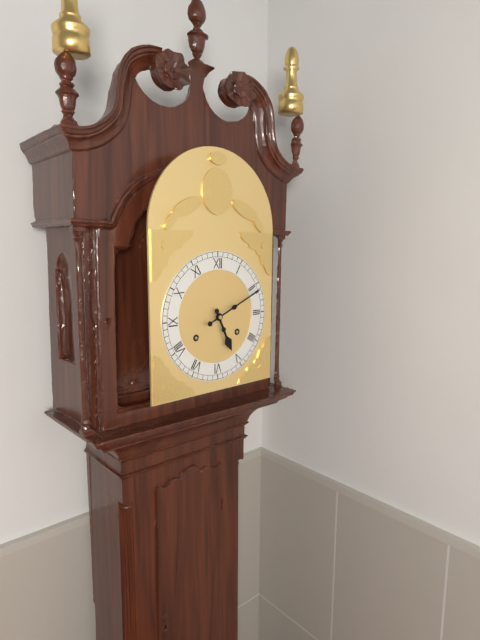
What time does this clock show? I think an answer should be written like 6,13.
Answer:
5,11
